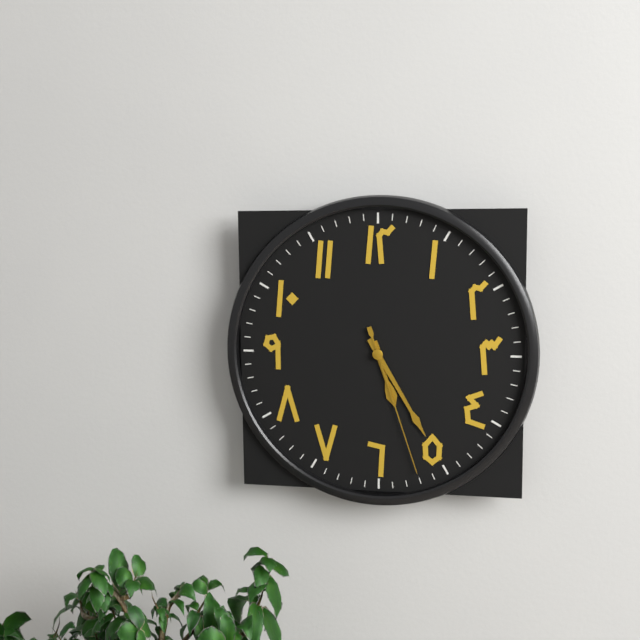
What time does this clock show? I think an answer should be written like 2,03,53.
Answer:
5,25,27
